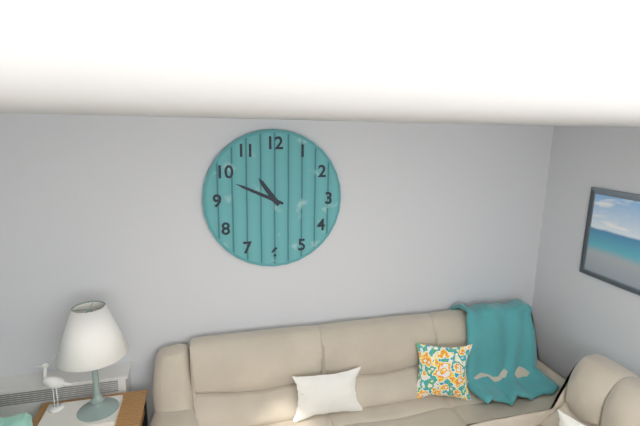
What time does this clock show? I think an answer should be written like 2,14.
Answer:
10,49
